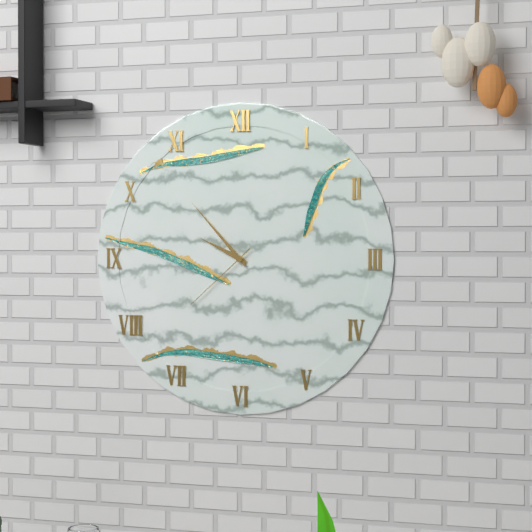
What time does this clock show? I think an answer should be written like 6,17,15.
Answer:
9,53,38
